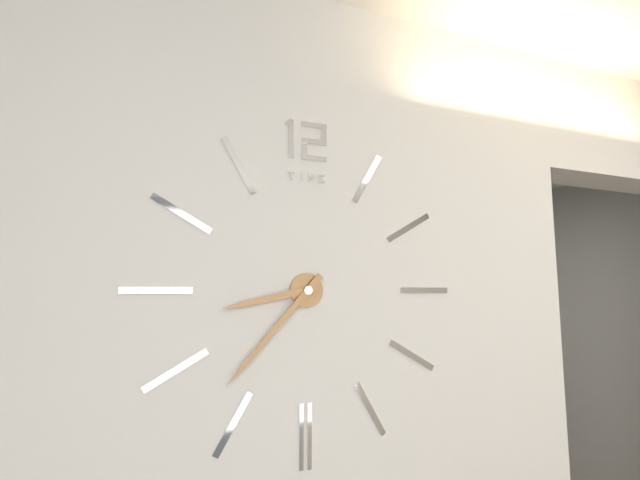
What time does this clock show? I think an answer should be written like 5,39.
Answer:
8,37
